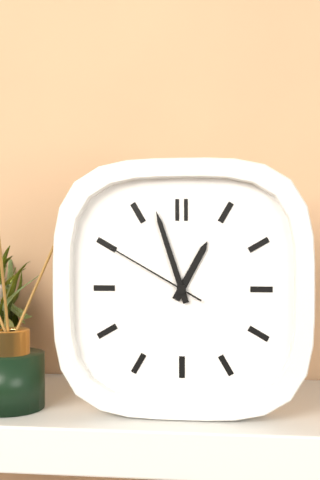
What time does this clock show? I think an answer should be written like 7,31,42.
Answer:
12,57,50
